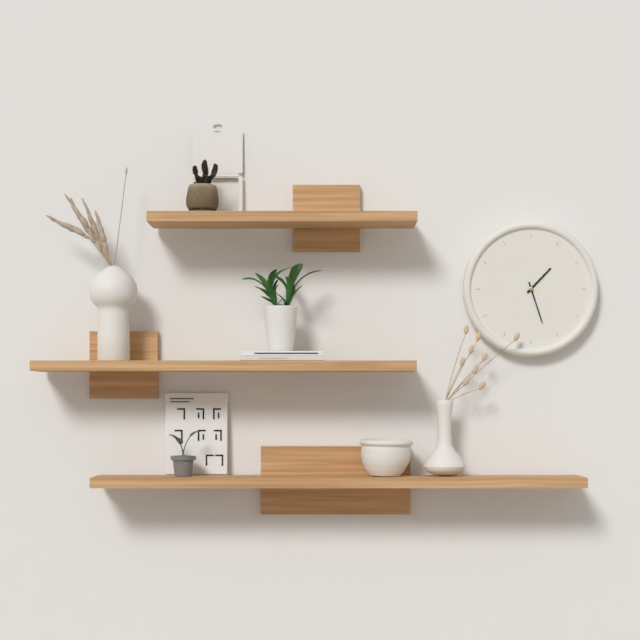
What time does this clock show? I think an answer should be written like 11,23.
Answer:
1,27
